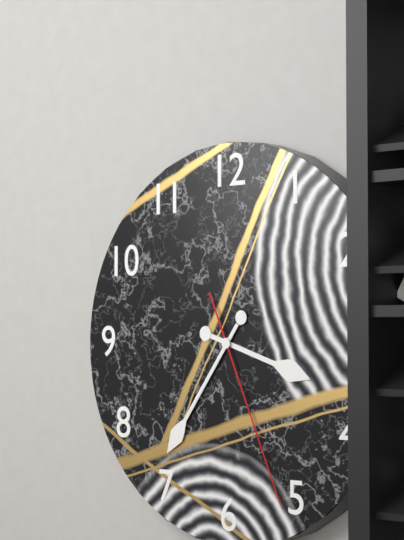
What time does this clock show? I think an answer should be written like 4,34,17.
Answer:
3,36,26
